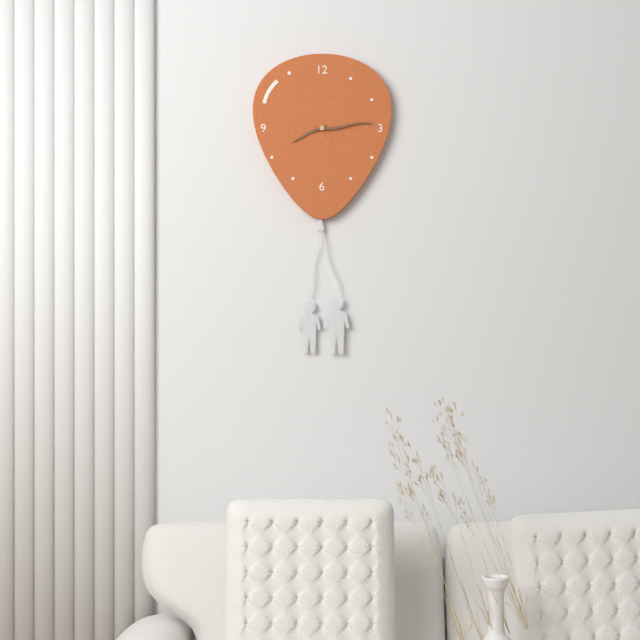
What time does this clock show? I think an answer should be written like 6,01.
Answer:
8,14
